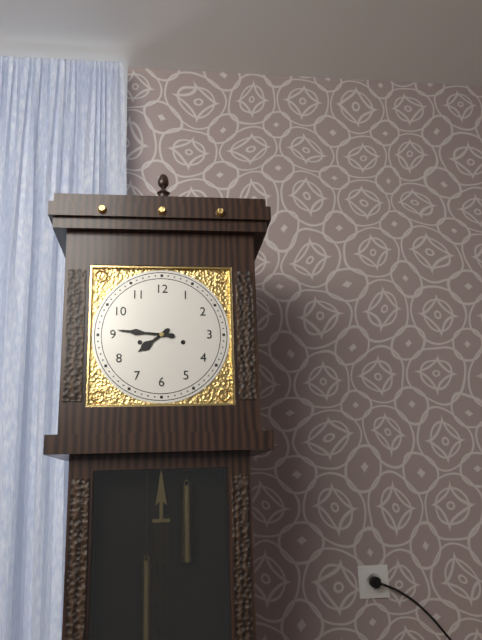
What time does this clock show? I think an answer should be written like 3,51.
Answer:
7,46
